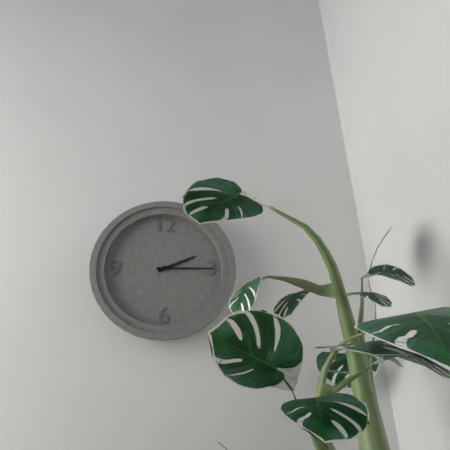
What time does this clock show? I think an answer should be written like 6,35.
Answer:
2,15
